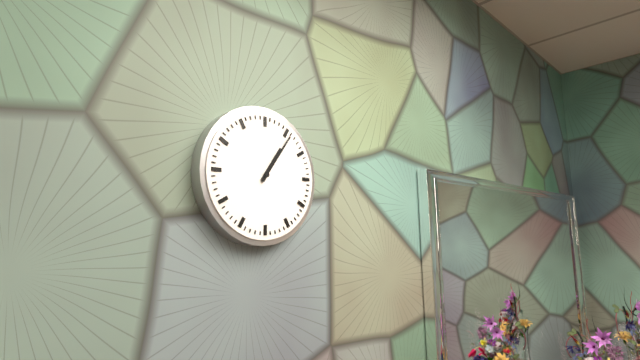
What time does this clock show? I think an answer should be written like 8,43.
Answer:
1,06
